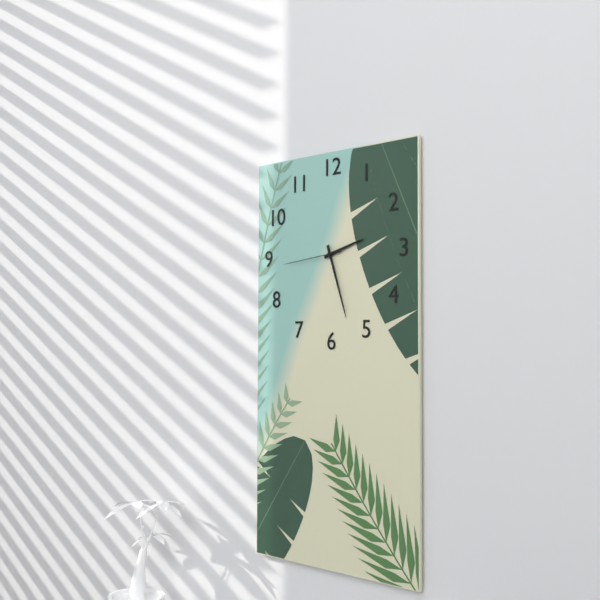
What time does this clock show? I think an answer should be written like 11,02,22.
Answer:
2,27,44
